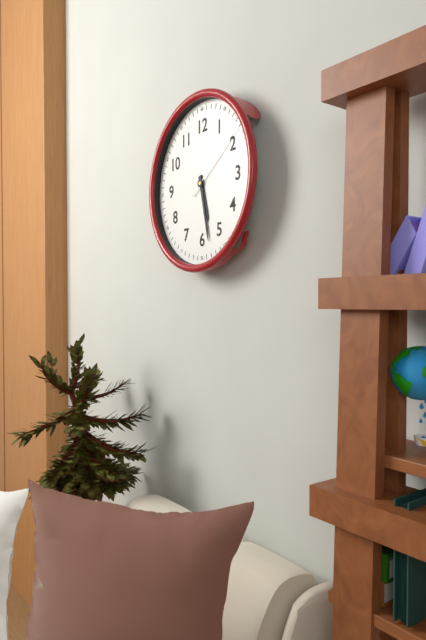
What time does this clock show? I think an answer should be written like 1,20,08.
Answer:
5,28,09
